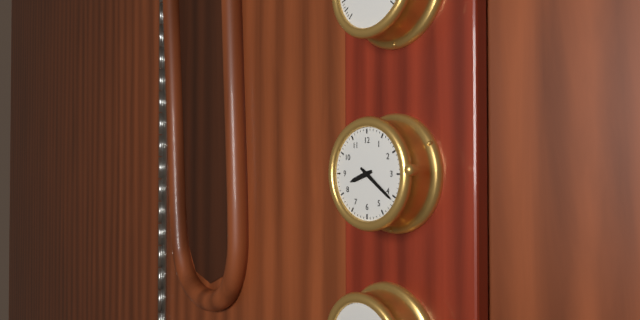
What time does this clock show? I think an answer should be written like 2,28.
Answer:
8,21
